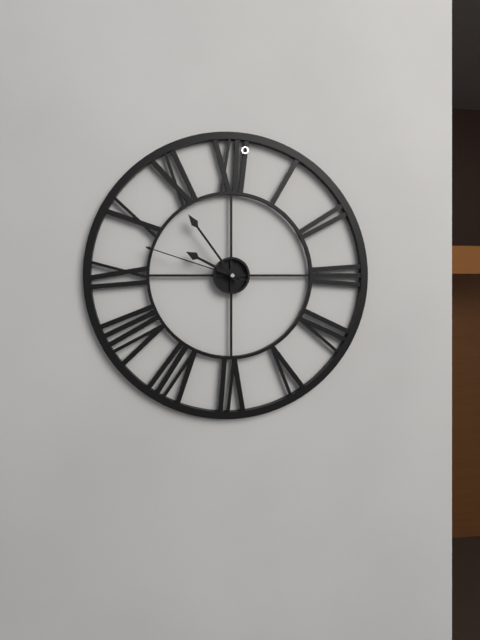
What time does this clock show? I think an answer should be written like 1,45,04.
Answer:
9,54,48
